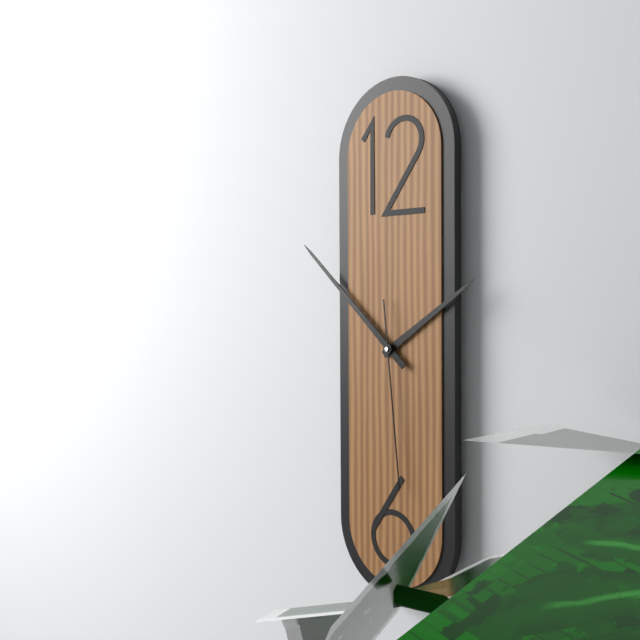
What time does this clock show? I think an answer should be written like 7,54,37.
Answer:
1,52,29
